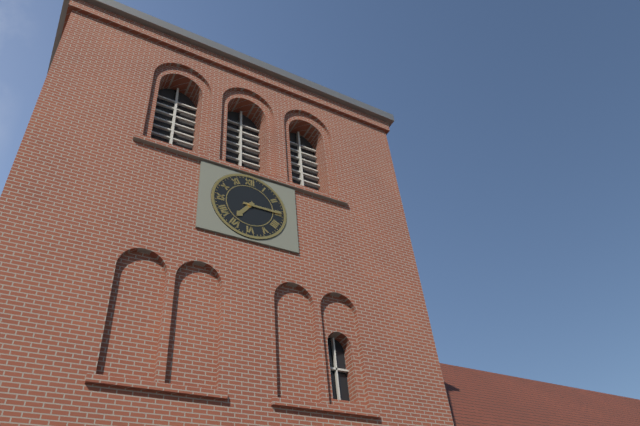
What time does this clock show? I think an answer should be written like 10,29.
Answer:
7,15
